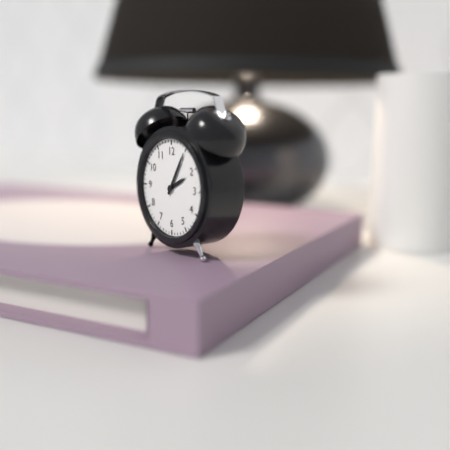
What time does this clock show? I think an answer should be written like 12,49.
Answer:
2,05
